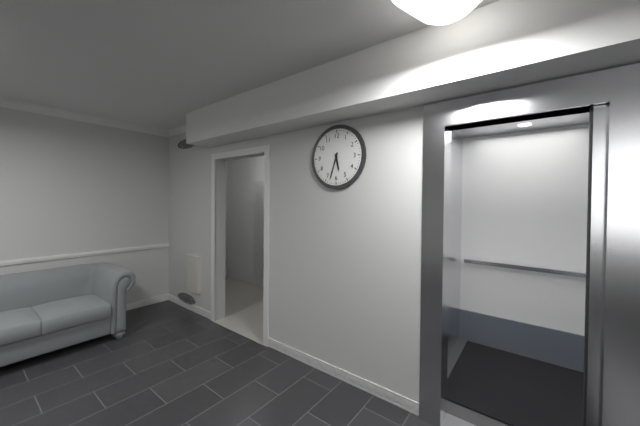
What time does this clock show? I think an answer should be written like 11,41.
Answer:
5,33
